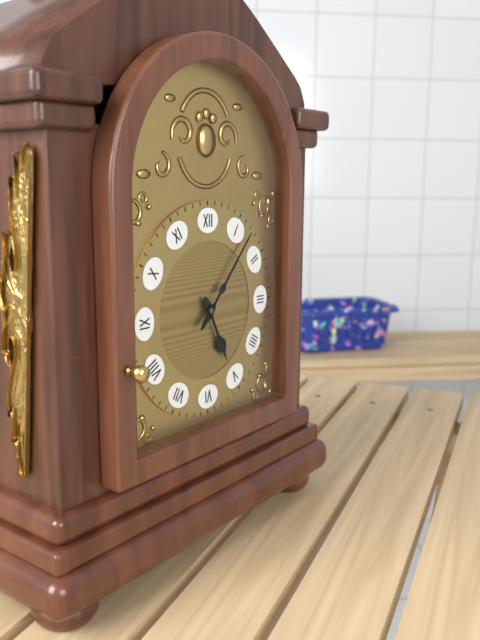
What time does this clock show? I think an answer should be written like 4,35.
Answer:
5,07
